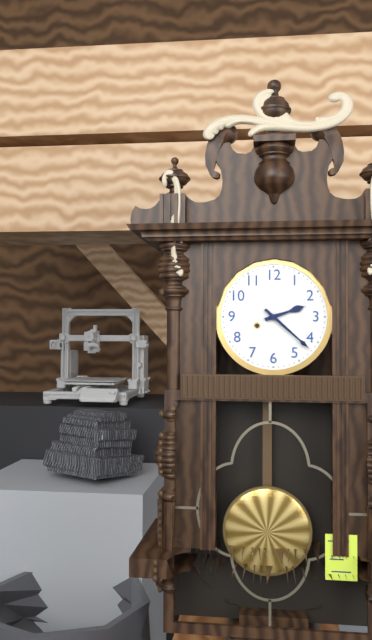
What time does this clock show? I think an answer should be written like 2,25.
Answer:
2,22
